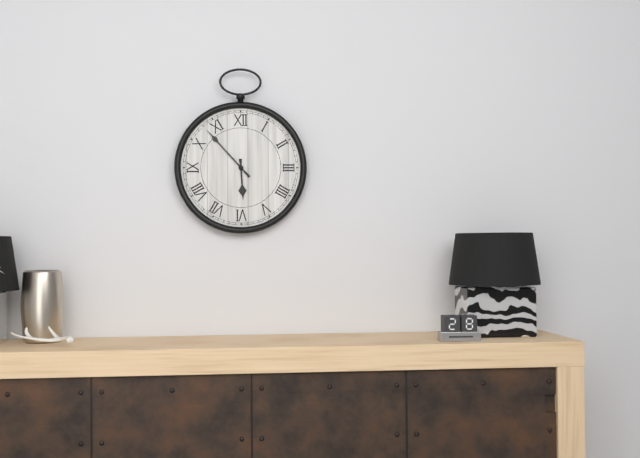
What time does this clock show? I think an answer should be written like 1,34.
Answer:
5,53
